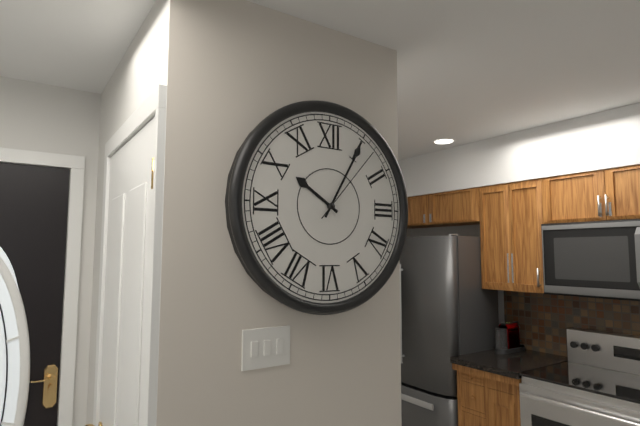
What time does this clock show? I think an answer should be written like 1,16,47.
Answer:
10,05,07
